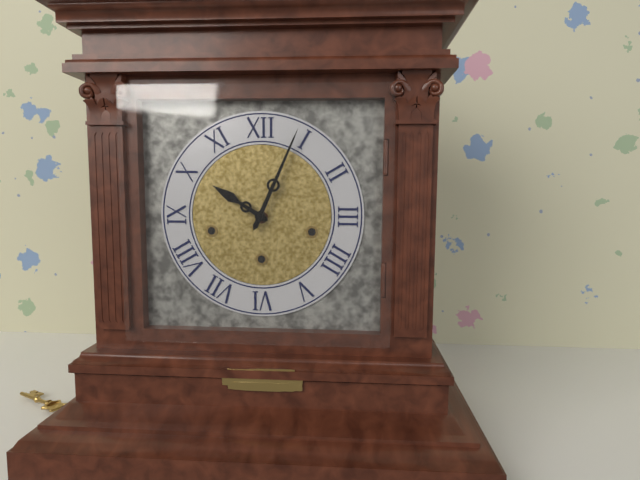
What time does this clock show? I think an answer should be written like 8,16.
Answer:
10,04
